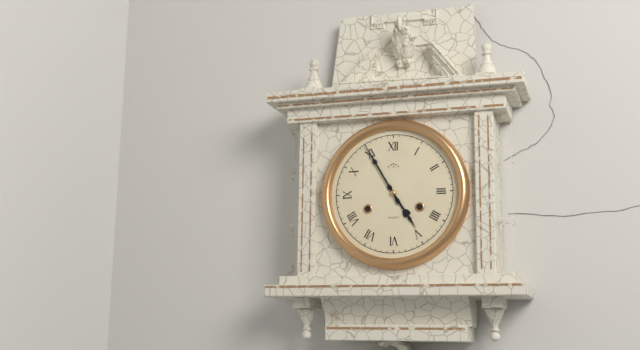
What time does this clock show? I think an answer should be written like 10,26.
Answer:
4,55
